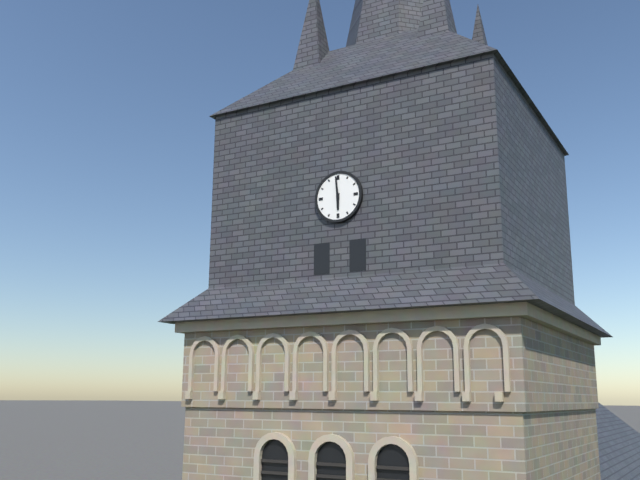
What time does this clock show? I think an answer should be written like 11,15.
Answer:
5,59
